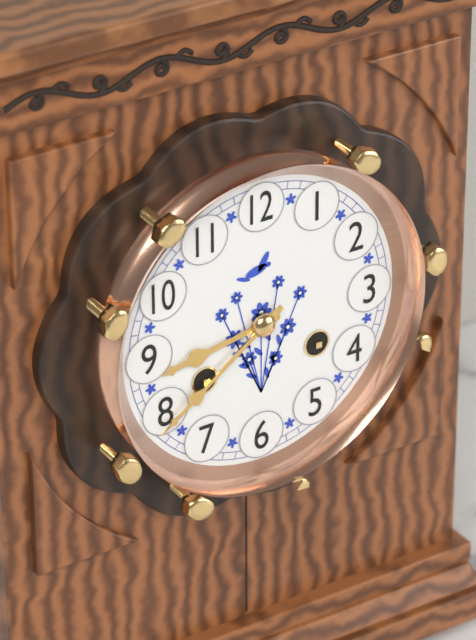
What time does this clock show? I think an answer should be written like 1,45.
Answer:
8,39
